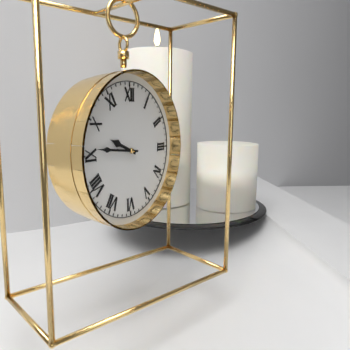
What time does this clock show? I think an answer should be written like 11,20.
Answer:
9,46
